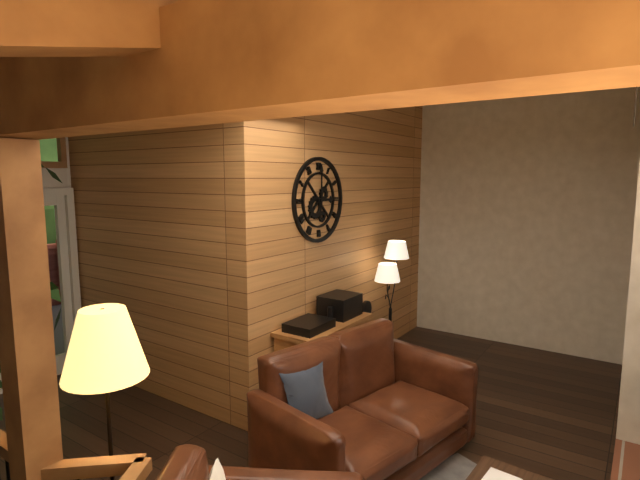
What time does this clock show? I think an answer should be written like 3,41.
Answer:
3,00
